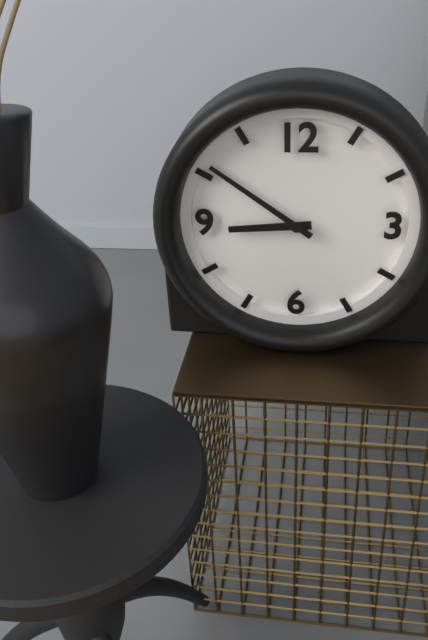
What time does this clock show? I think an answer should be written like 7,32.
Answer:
8,51
